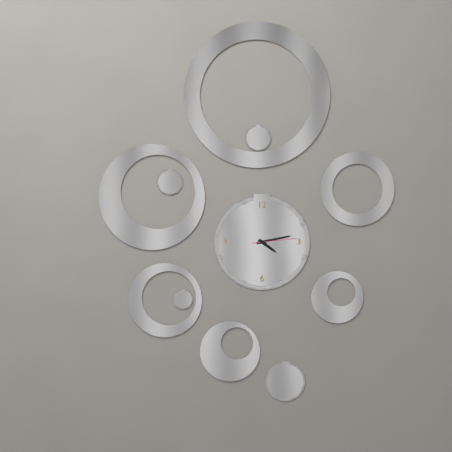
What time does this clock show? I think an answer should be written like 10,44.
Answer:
4,13
